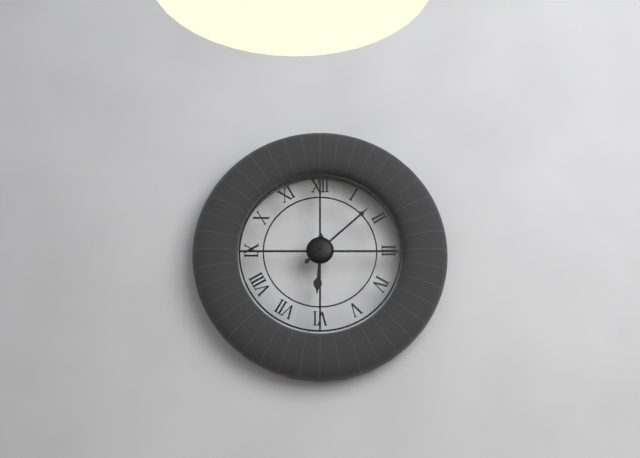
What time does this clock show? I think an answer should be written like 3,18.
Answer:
6,08
